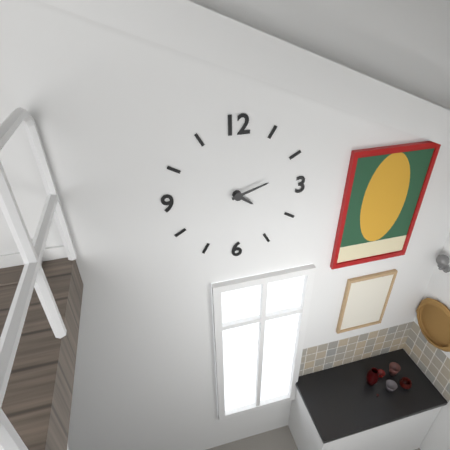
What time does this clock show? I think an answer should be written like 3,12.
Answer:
4,12
